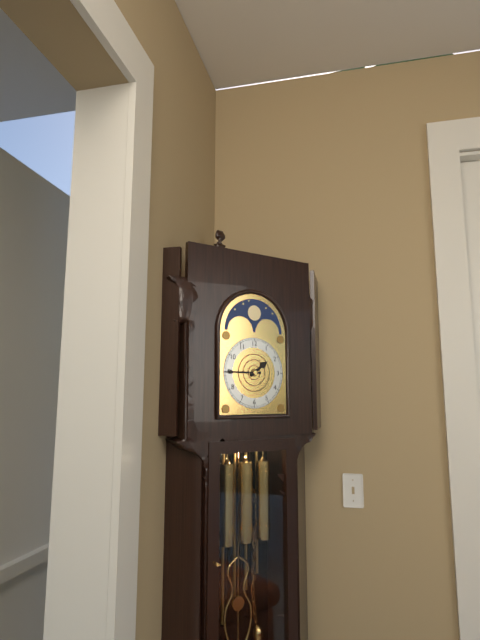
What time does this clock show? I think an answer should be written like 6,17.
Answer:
1,45
